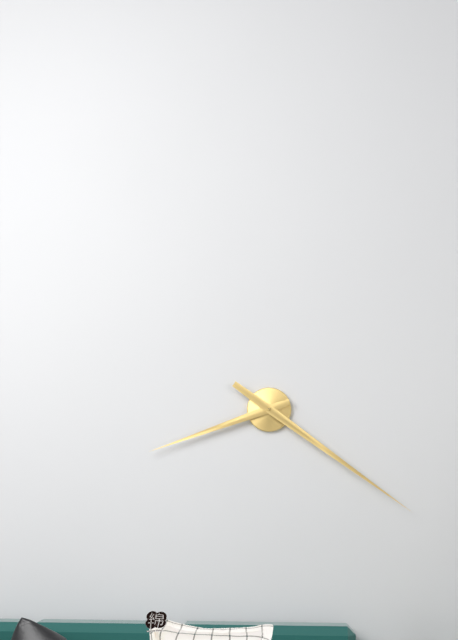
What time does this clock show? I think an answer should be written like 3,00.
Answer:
8,21
